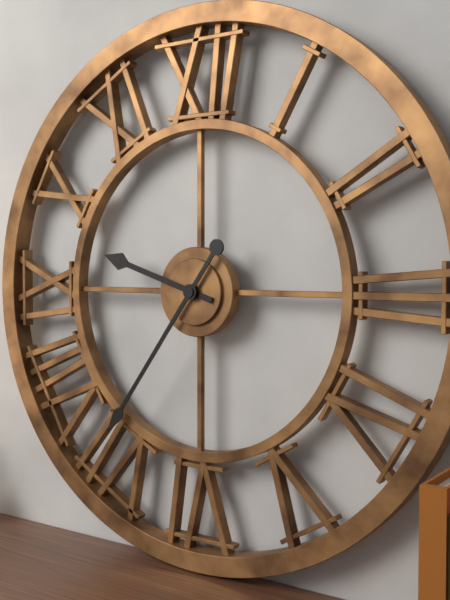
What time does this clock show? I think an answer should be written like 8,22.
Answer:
9,36
